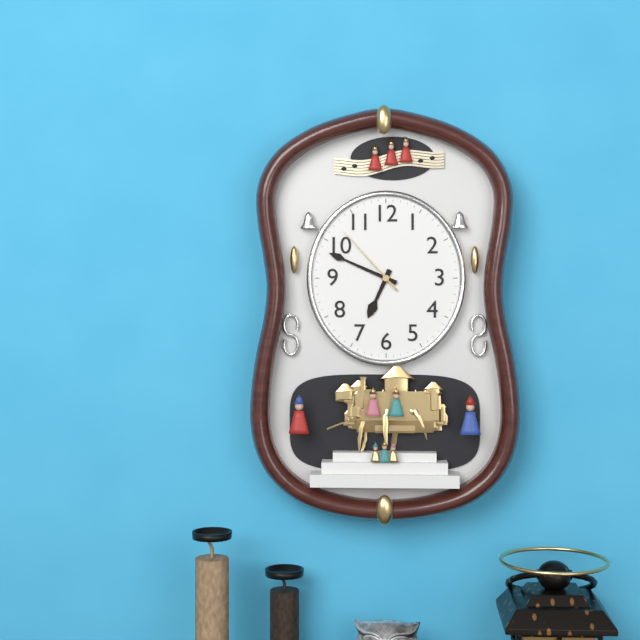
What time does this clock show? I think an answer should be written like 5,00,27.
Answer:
6,49,53
